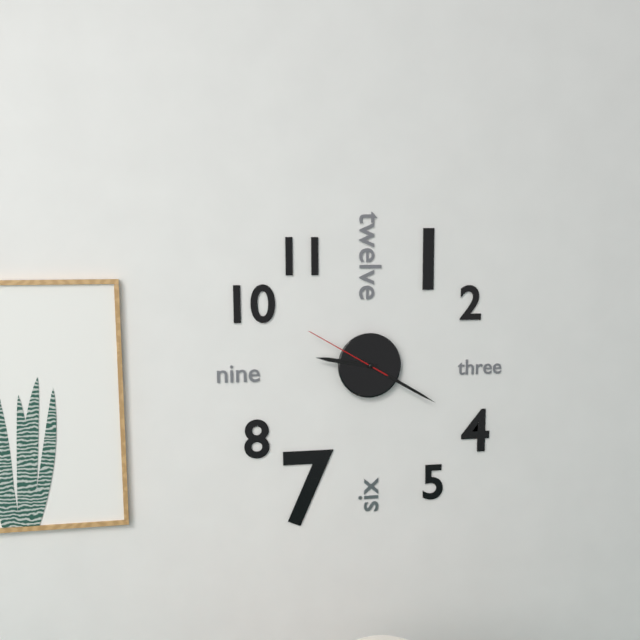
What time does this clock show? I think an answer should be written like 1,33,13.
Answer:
9,20,50
